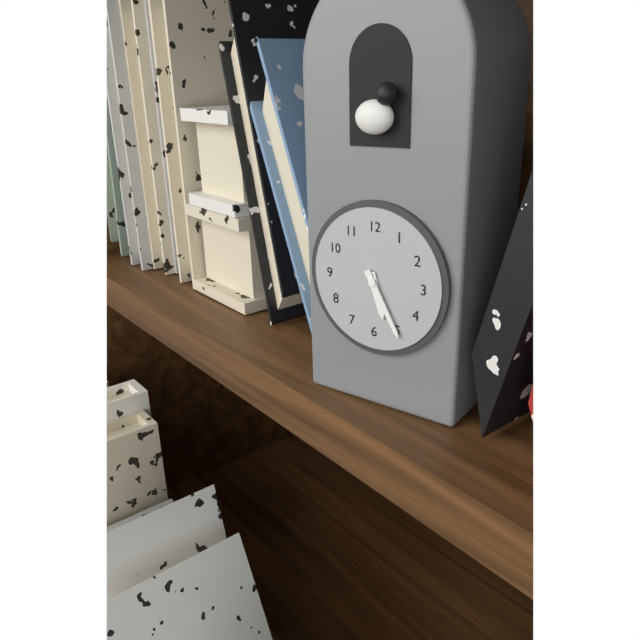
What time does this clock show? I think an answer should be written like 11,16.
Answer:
5,25
